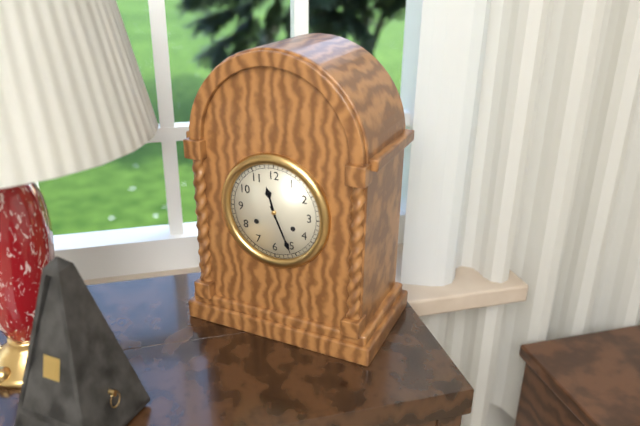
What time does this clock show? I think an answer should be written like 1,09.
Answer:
11,26
